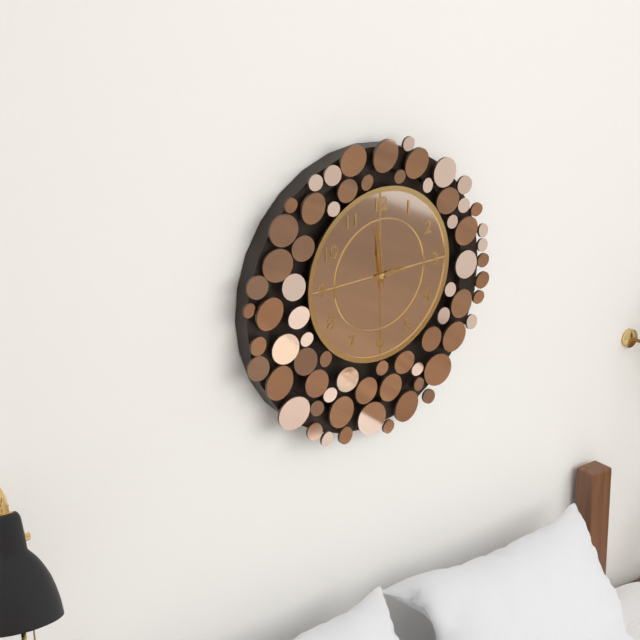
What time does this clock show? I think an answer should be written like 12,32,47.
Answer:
2,59,59
